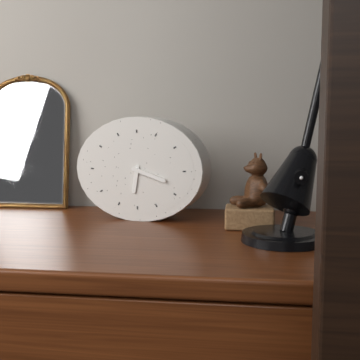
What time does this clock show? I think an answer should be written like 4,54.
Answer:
6,18
